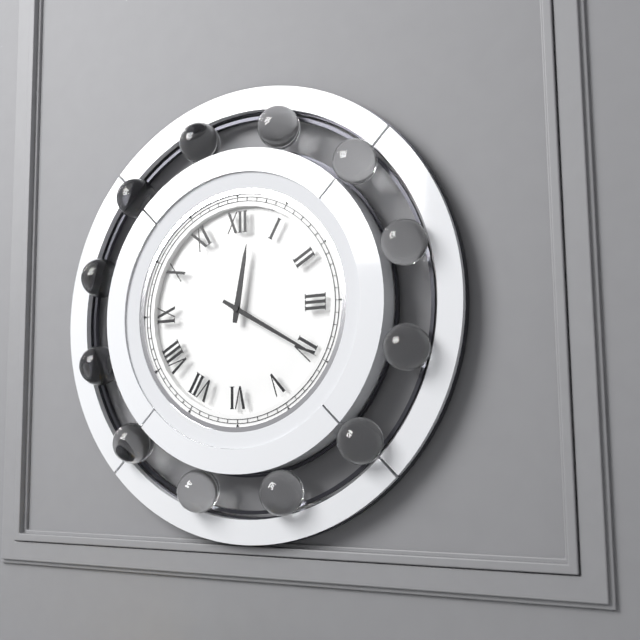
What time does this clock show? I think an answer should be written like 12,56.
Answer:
12,20
